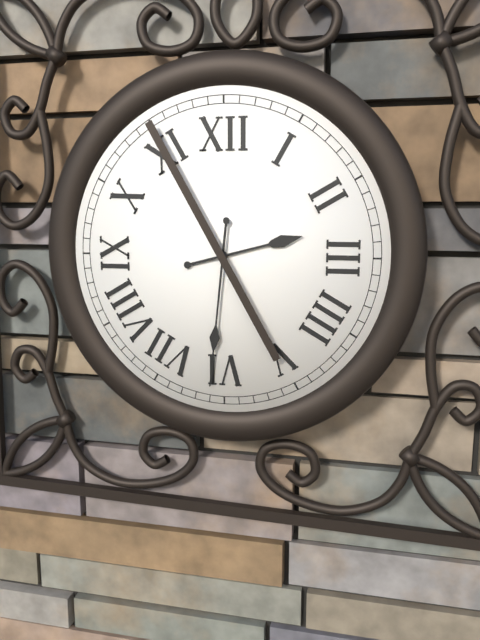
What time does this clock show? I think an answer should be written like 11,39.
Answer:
2,31
